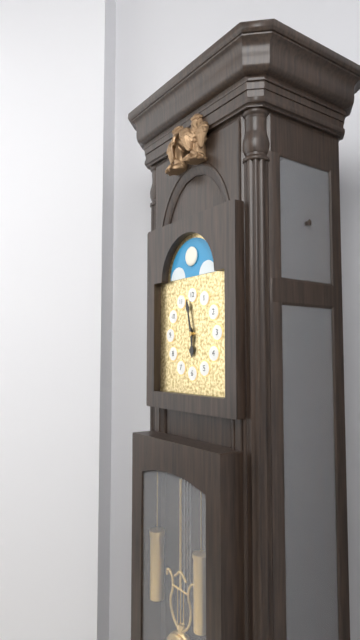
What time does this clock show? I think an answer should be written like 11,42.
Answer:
5,58
